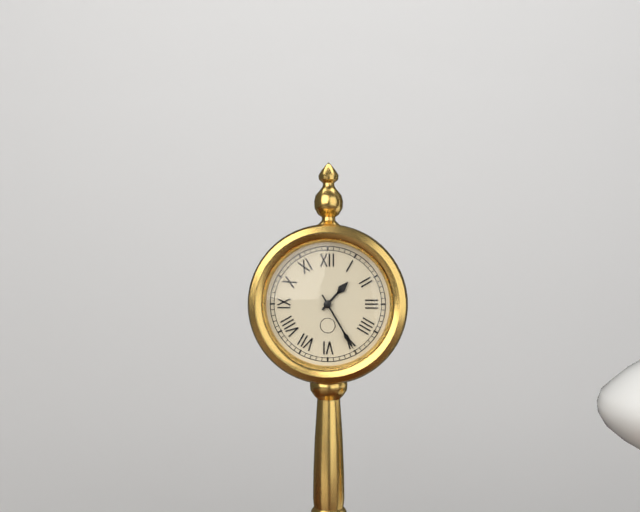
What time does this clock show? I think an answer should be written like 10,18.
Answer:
1,25
